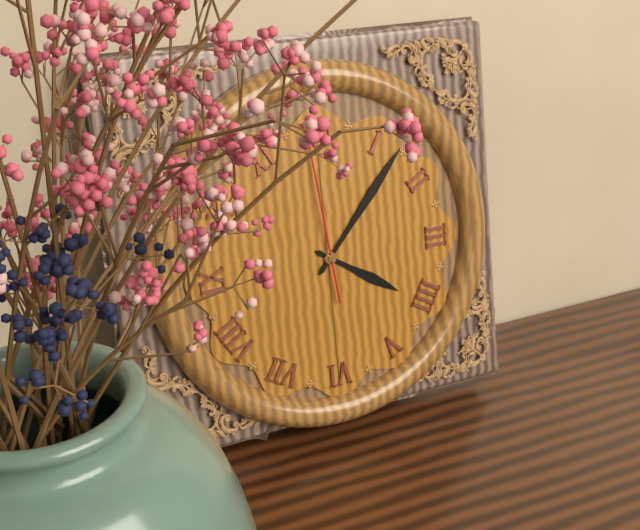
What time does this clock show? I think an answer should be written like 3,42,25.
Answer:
4,07,59
